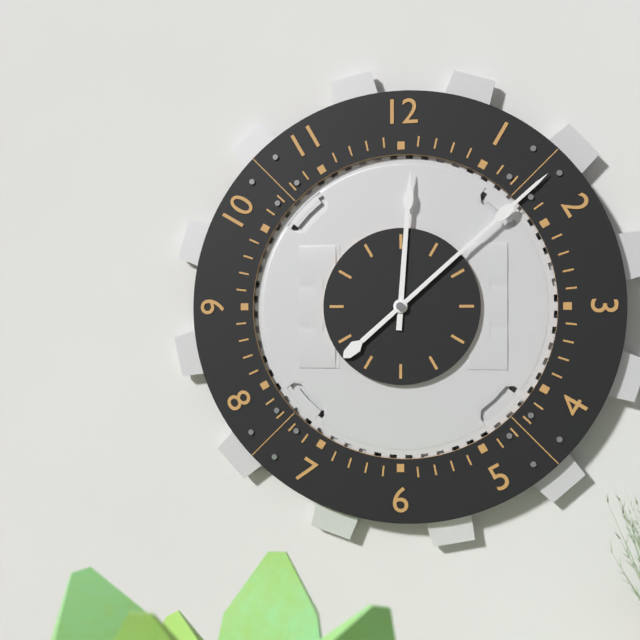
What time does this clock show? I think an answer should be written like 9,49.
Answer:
12,08
